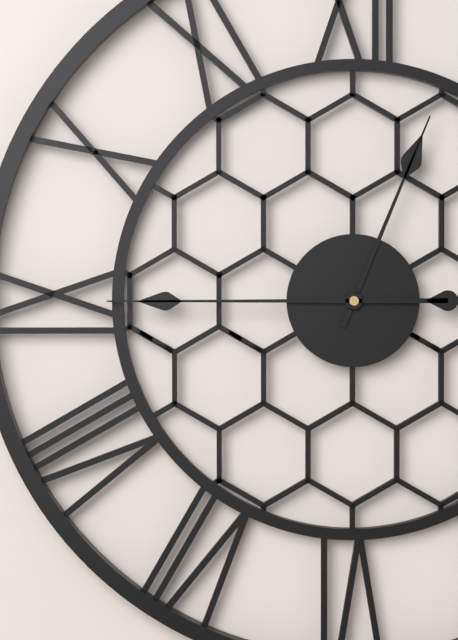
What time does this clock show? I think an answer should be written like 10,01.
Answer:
12,45
